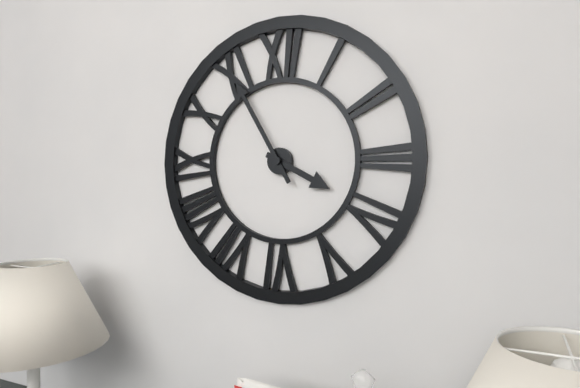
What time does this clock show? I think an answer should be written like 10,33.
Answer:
3,55
